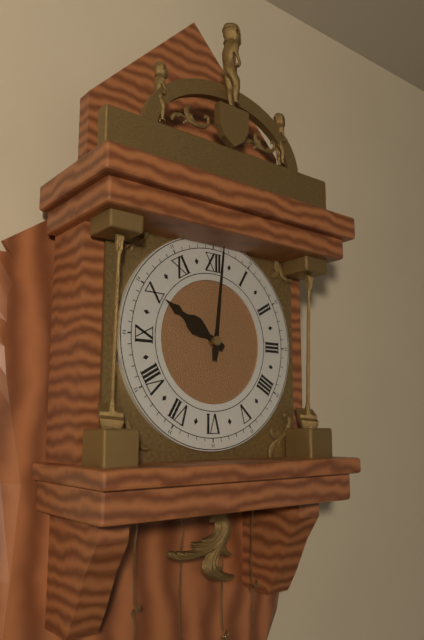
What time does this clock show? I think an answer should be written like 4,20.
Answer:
10,01
